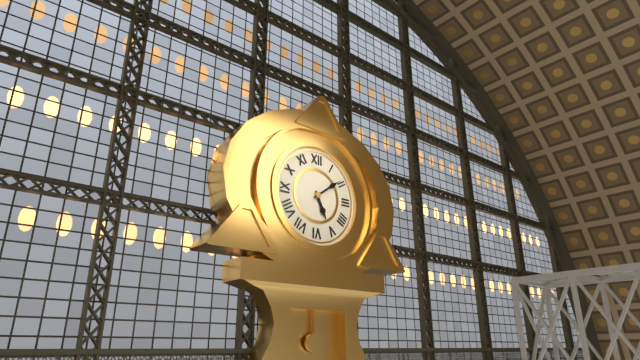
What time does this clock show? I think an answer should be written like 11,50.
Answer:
5,09
